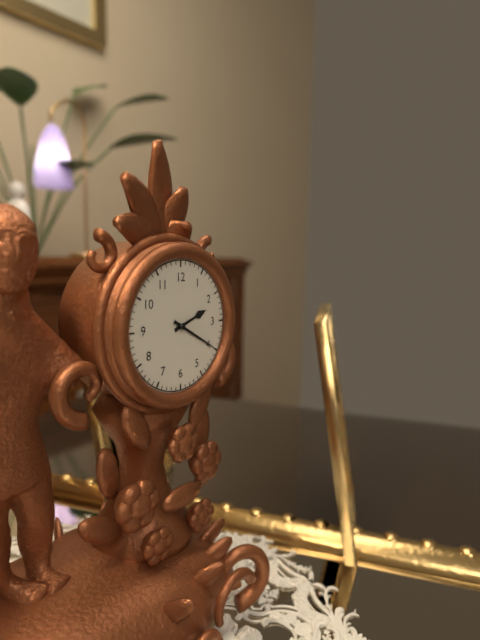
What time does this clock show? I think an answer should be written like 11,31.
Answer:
2,20
